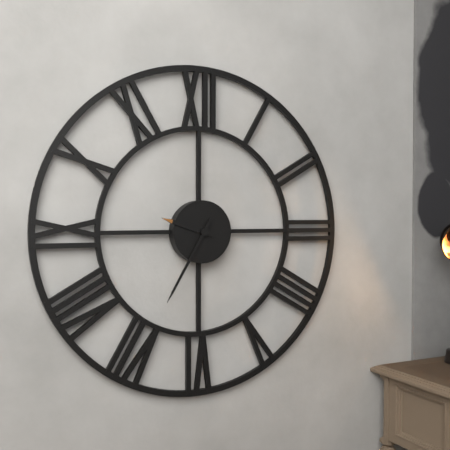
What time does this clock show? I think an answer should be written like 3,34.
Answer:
9,35
